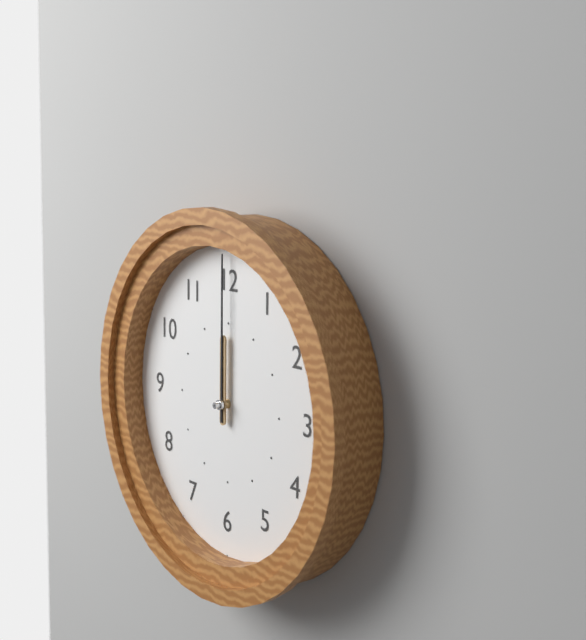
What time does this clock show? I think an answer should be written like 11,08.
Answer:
12,00
